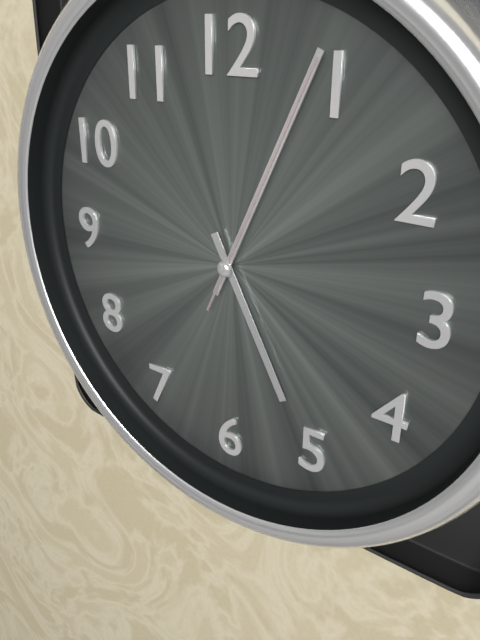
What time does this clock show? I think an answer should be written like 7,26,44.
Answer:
5,04,04
